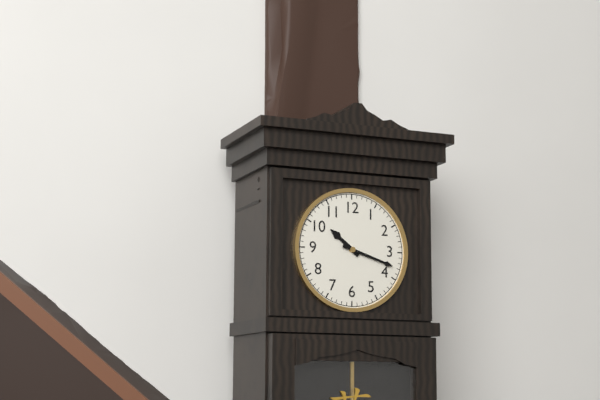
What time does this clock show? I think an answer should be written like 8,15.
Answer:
10,18
